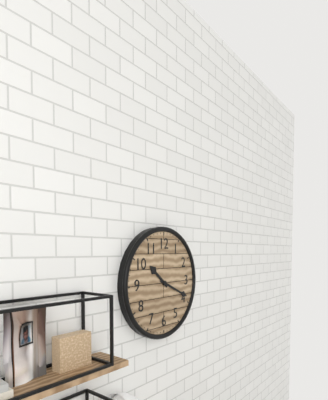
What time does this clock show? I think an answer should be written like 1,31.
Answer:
10,19
